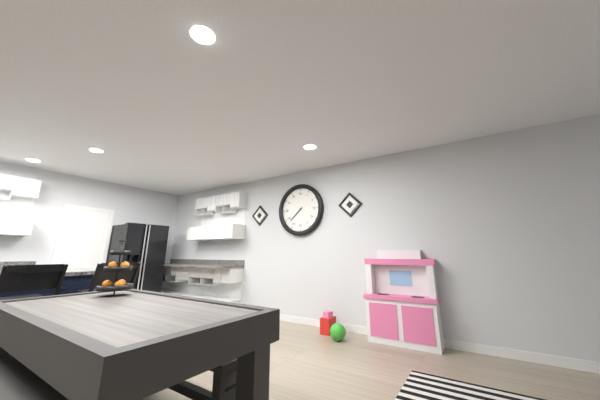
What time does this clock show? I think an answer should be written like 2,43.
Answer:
7,38
